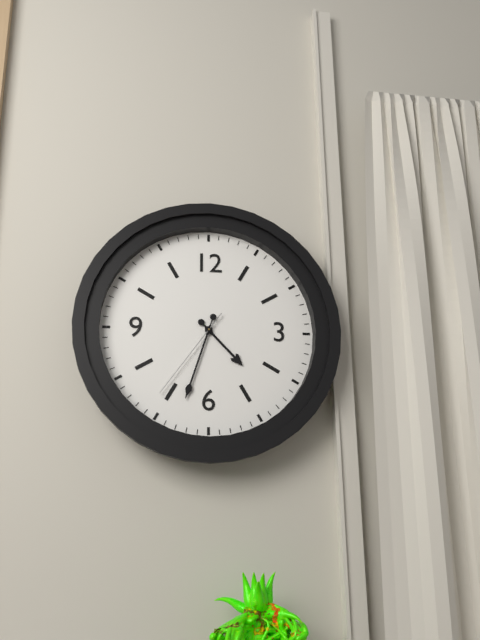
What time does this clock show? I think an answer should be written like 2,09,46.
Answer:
4,33,36
